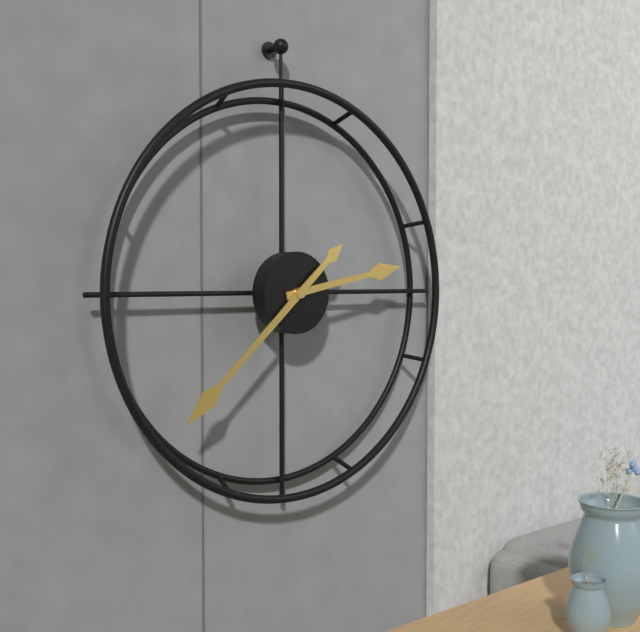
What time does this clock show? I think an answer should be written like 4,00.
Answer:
2,38
